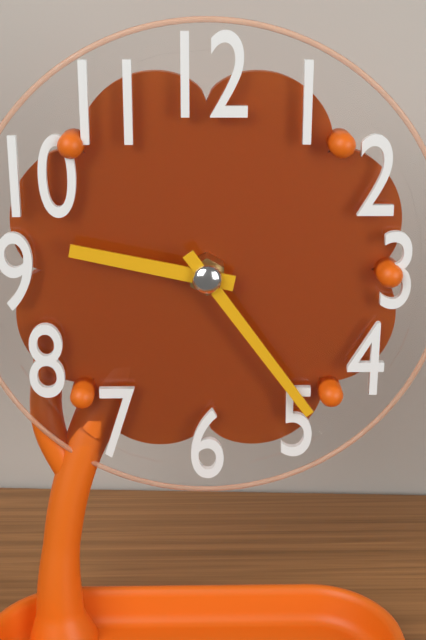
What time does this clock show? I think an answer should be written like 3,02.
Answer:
9,24
